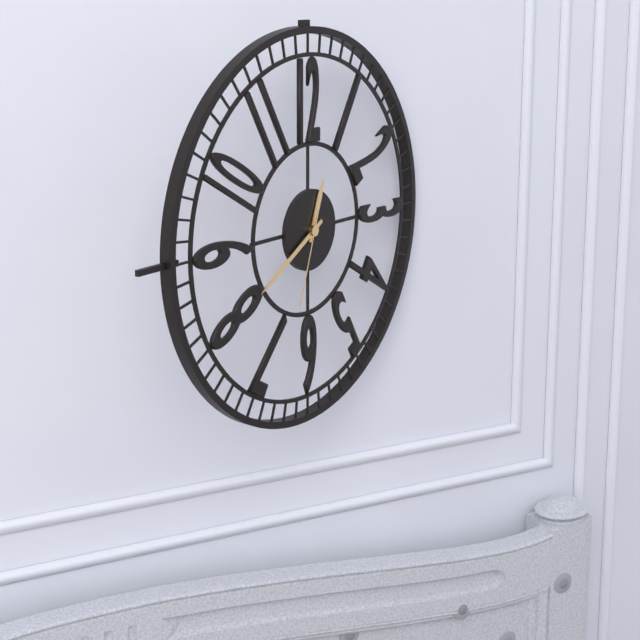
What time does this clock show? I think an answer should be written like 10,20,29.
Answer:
12,40,33
